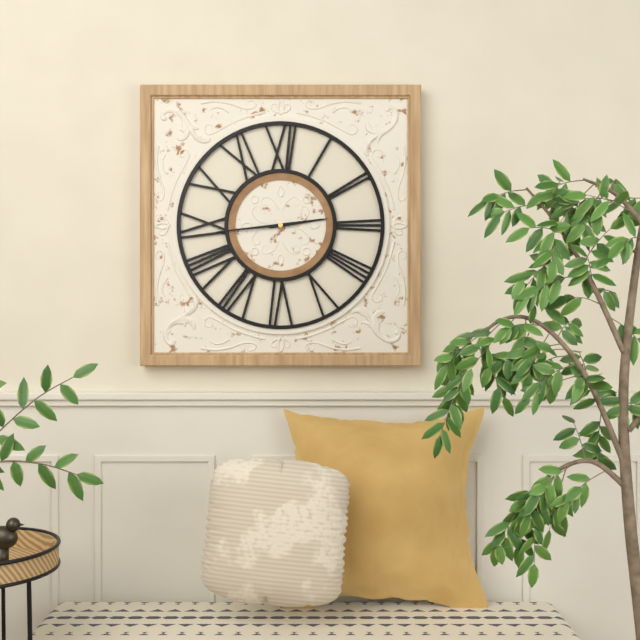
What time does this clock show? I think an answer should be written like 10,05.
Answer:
2,44
